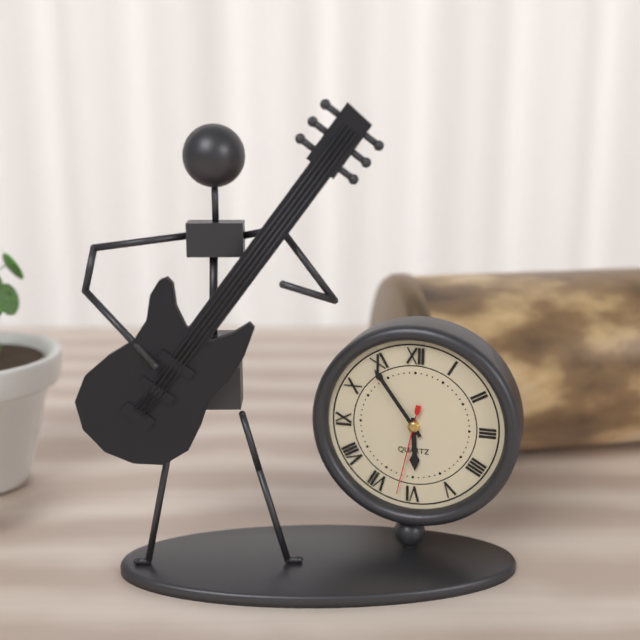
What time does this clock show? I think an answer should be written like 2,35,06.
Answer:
5,54,32
